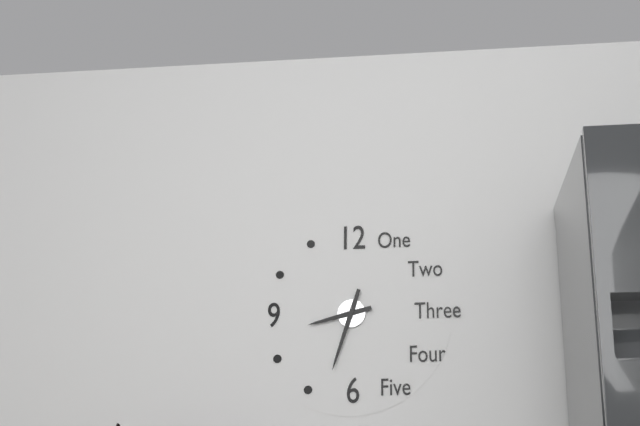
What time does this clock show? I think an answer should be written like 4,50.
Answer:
8,33
